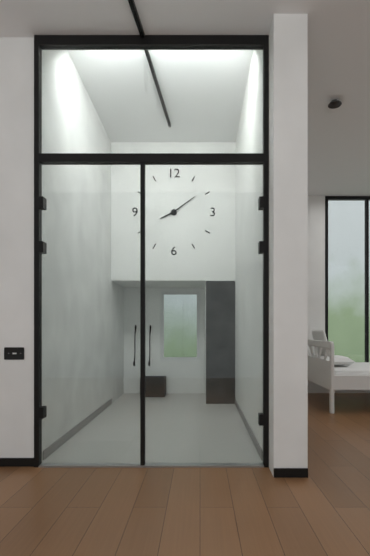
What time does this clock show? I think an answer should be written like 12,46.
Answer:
8,09
